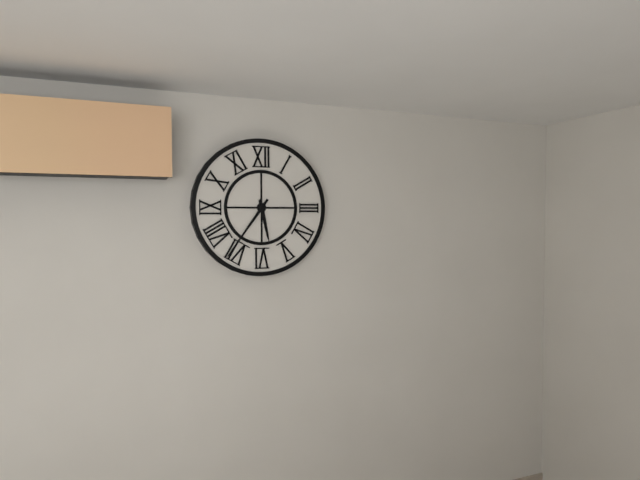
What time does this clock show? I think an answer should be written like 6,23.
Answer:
5,36
